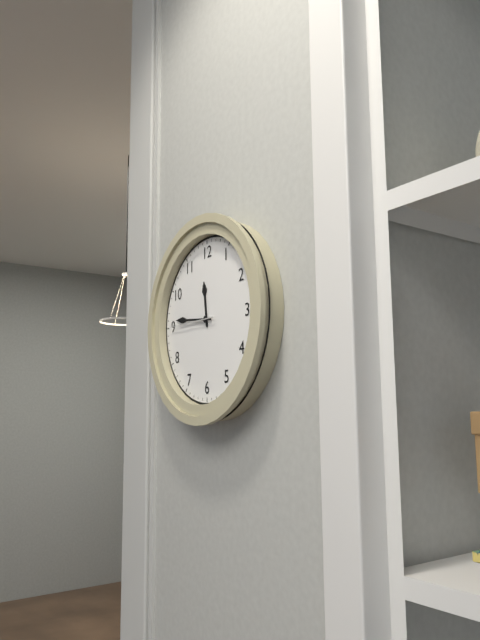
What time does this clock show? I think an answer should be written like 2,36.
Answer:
11,46
